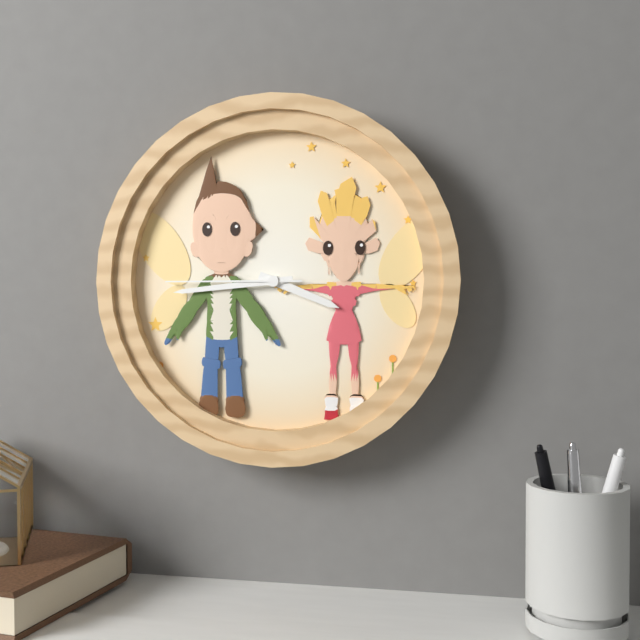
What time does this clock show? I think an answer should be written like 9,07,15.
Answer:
3,44,45
